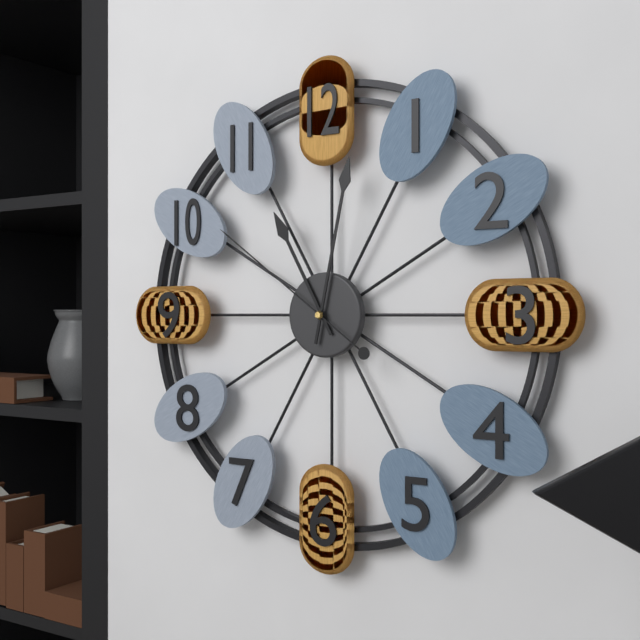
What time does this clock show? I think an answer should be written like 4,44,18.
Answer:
11,02,51
